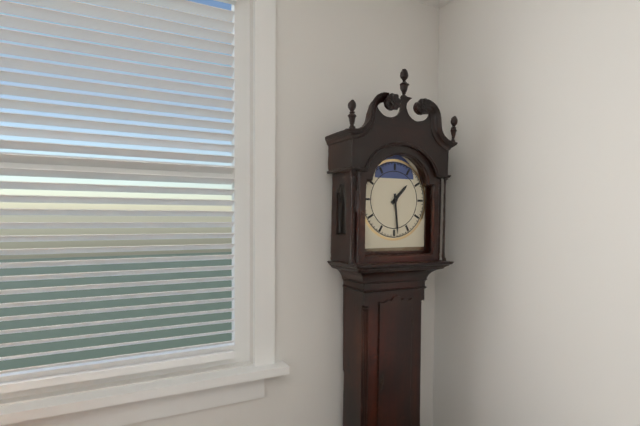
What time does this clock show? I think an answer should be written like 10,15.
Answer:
1,29
